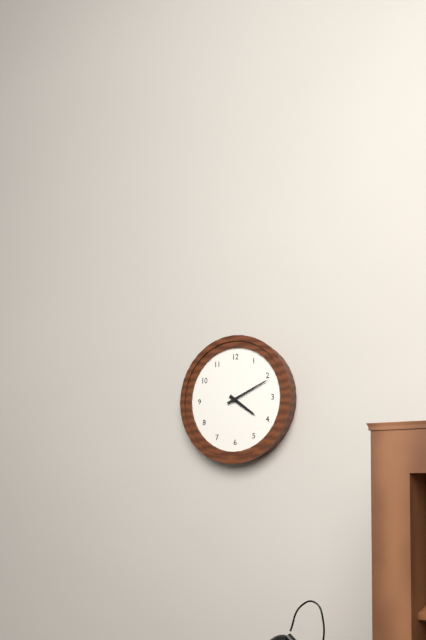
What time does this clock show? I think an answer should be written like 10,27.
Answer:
4,11
